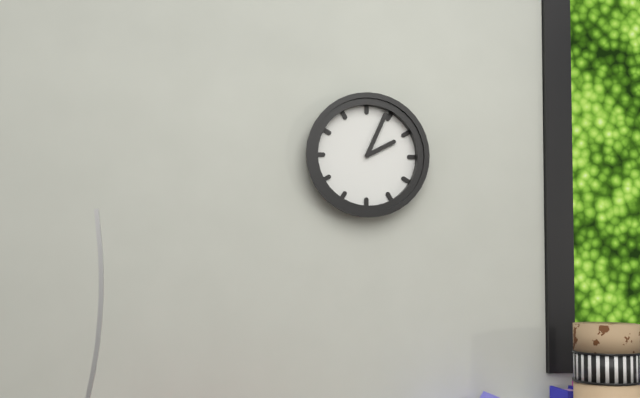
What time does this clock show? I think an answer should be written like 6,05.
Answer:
2,04
